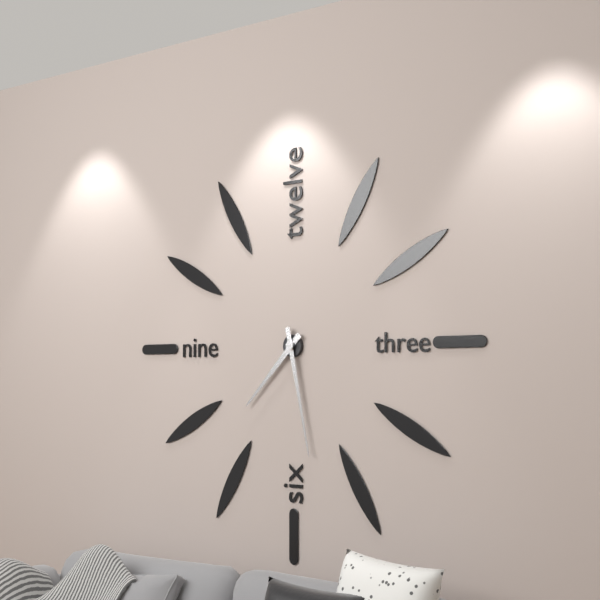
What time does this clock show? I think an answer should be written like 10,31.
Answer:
7,28
